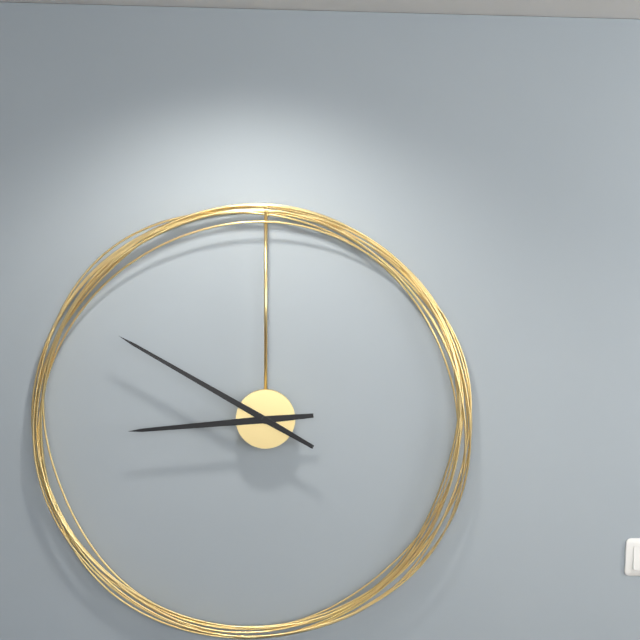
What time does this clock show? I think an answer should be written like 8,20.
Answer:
8,50
